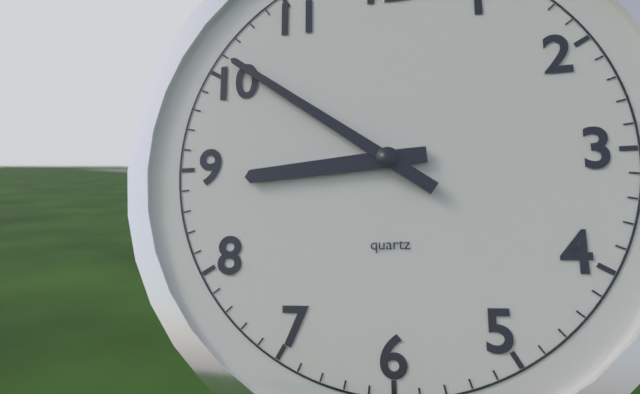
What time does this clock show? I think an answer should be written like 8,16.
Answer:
8,51
